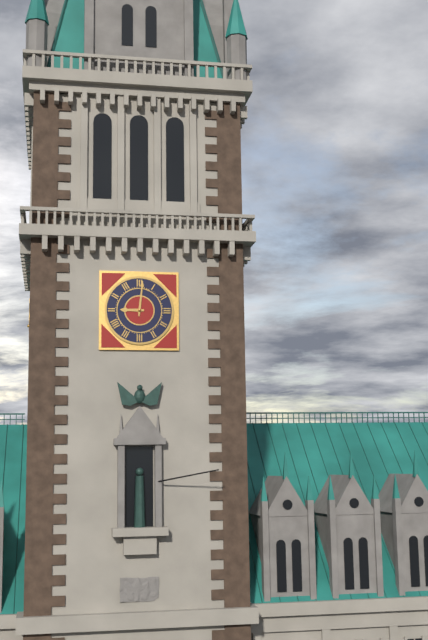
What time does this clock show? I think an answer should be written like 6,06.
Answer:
9,01
